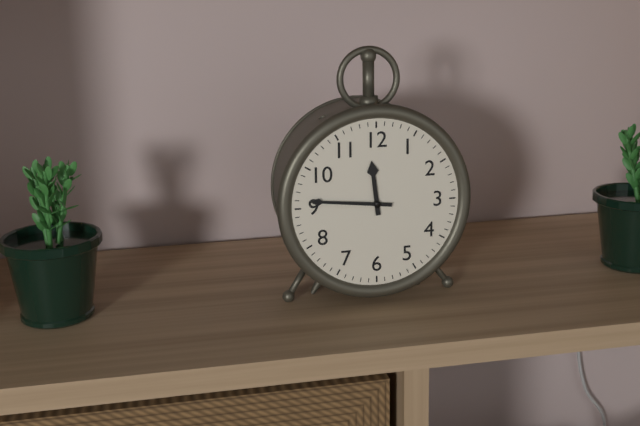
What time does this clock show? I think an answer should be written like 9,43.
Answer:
11,46
